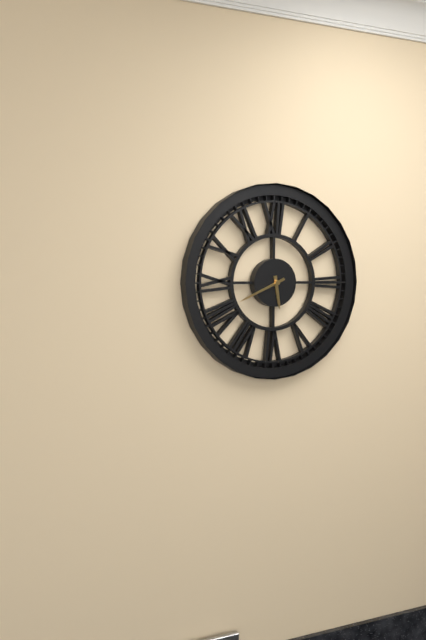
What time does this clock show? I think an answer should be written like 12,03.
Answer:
5,41
